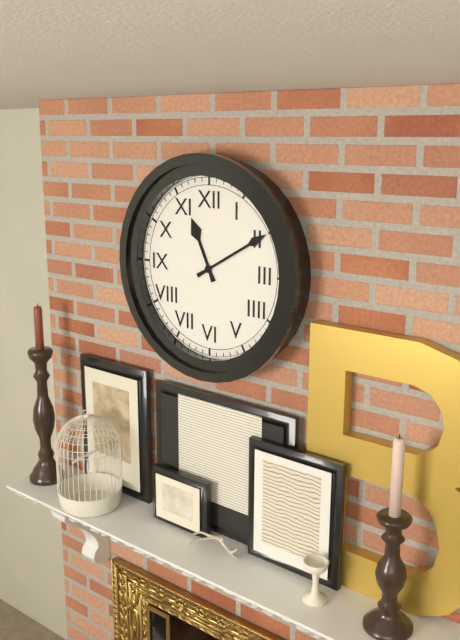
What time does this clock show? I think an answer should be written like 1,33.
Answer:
11,10
